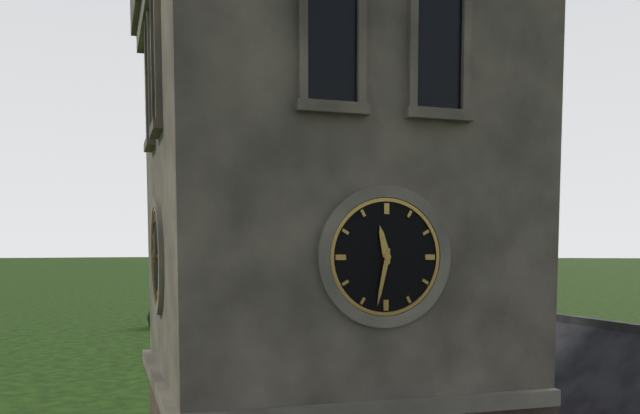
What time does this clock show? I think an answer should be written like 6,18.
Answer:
11,32
